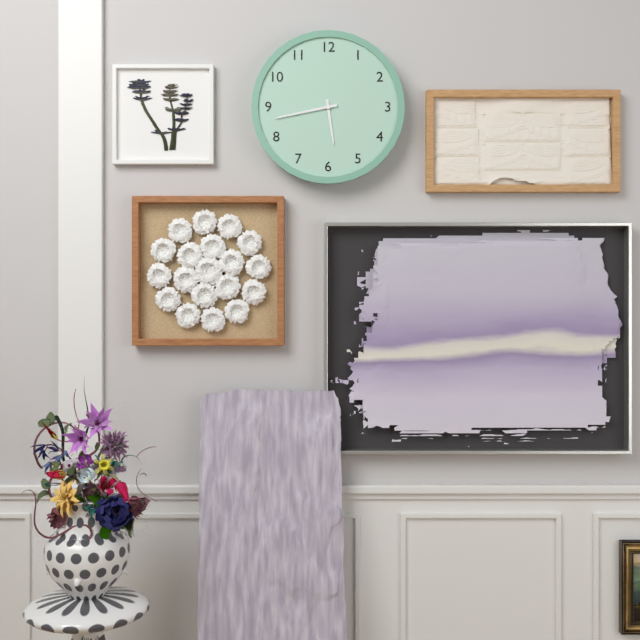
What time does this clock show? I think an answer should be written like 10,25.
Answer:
5,43
